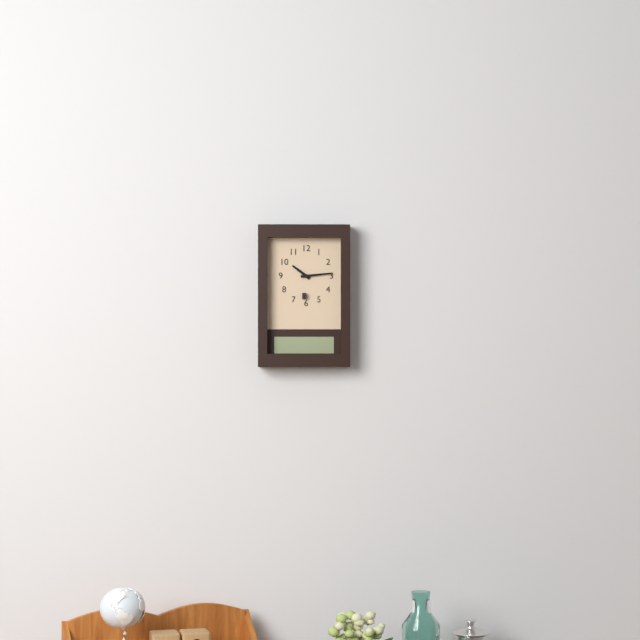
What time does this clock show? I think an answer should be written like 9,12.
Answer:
10,14
